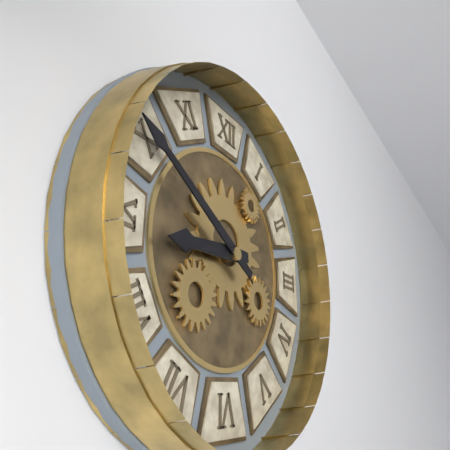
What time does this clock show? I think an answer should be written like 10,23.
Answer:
8,50
